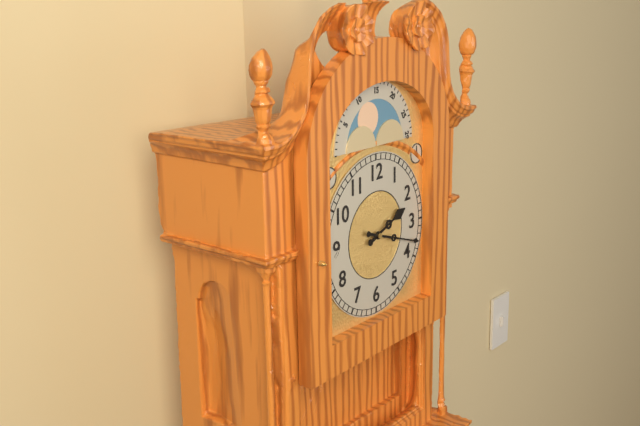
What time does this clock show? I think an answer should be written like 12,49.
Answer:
2,18
